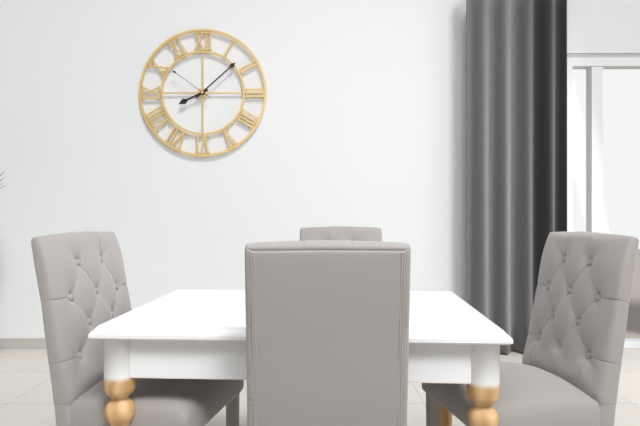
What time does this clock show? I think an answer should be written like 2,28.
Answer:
8,08
